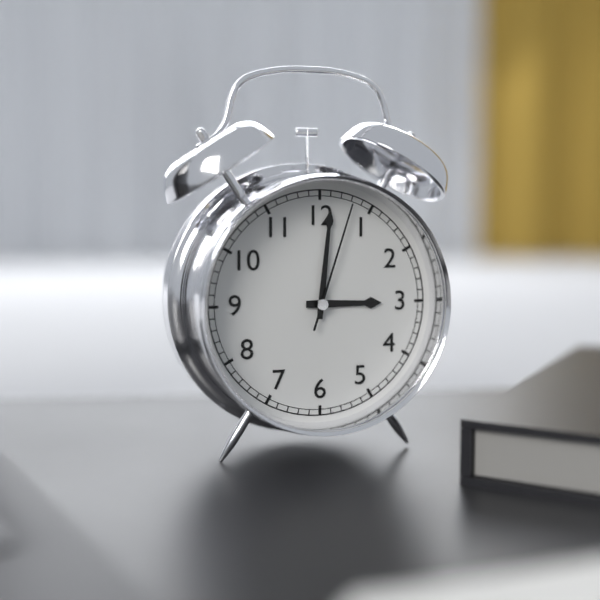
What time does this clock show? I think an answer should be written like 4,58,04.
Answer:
3,01,03
